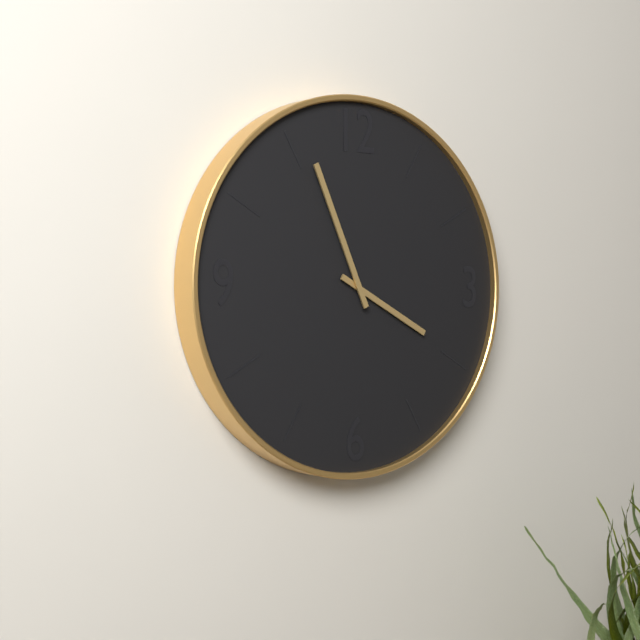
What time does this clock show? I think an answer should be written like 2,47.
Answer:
3,56
